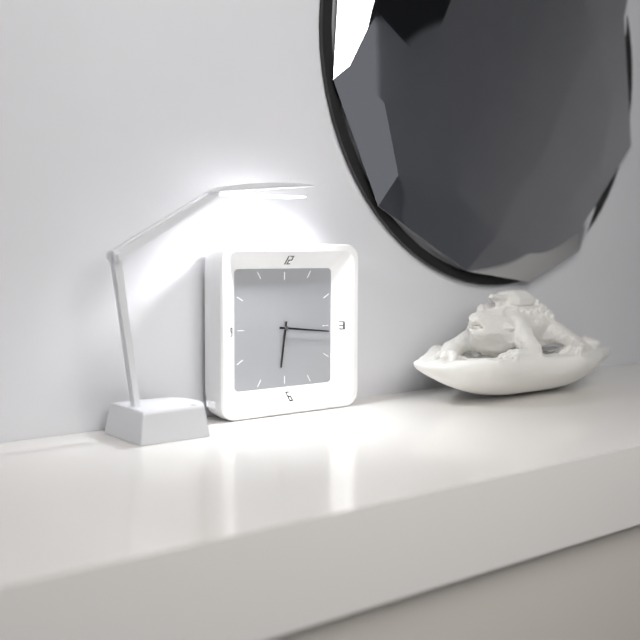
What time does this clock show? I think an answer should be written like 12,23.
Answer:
6,16
